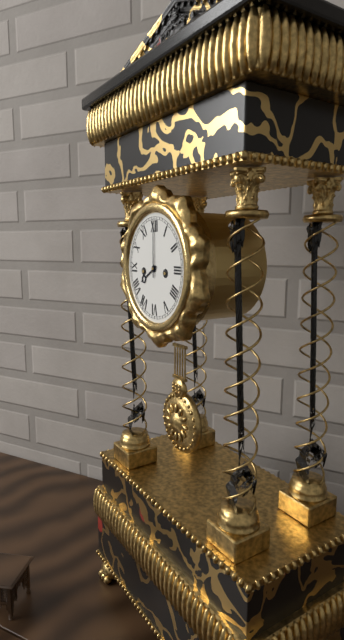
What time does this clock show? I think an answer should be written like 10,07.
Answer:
8,00
